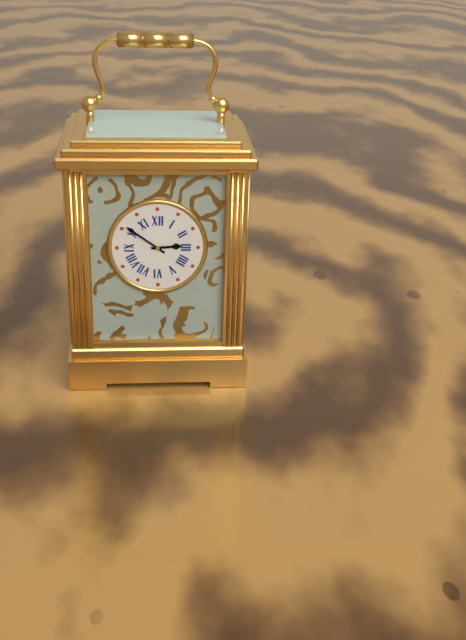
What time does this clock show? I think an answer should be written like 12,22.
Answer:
2,51
